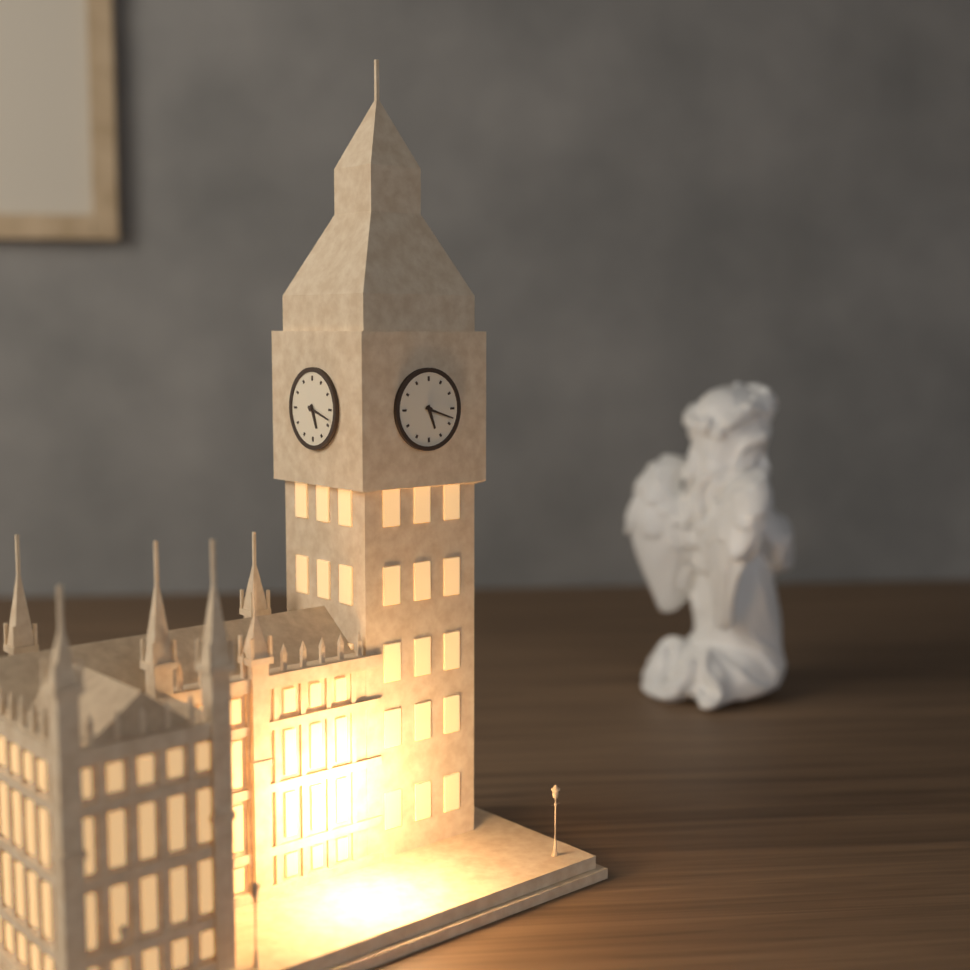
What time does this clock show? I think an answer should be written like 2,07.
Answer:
5,18
